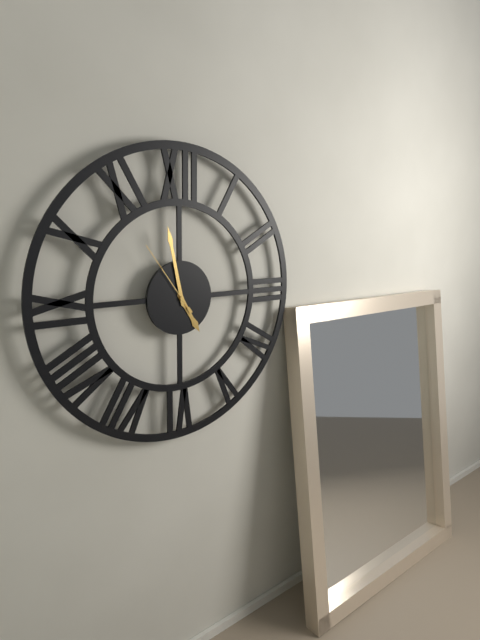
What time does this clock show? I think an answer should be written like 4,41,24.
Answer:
4,58,54
